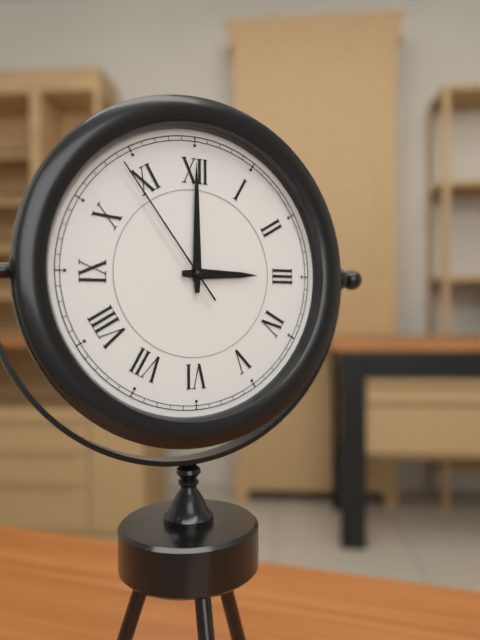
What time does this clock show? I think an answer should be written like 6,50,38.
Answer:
3,00,54
